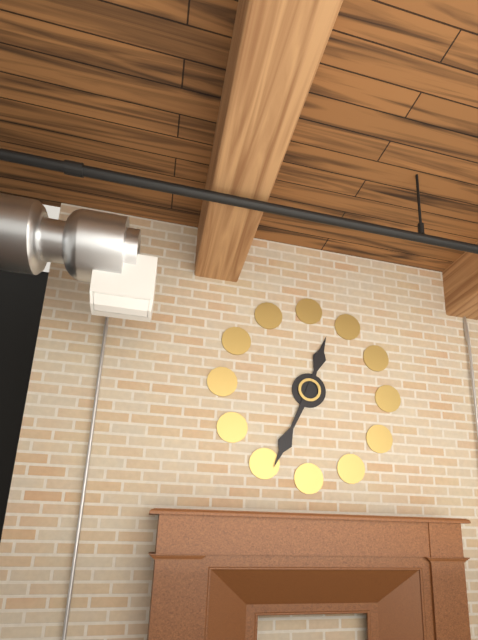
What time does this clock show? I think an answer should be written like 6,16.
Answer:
12,34
